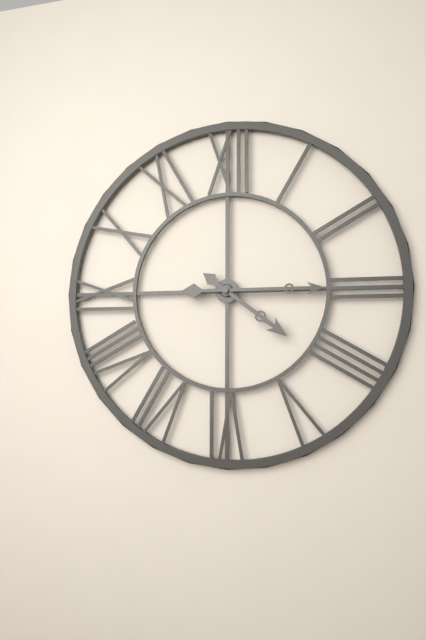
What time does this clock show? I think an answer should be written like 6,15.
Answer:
4,15
